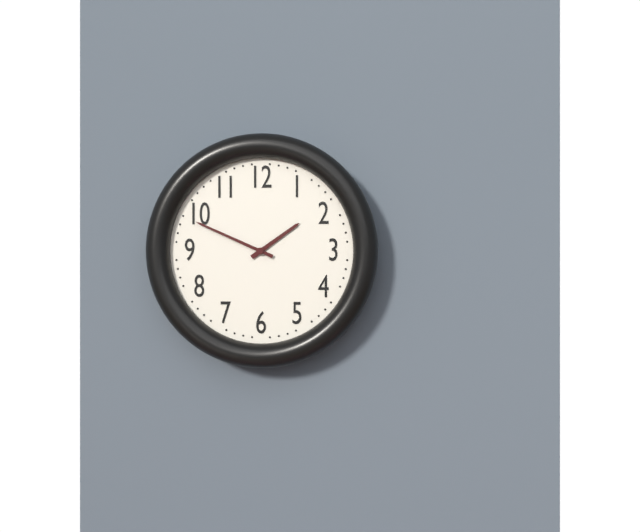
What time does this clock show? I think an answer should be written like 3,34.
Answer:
1,49
